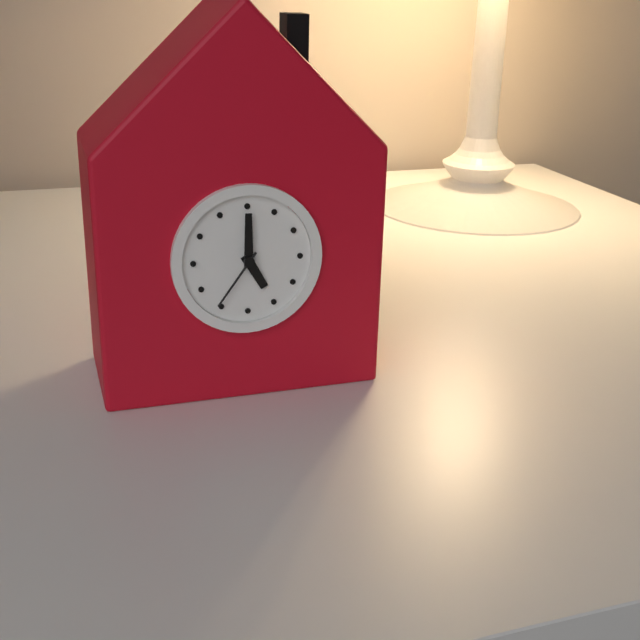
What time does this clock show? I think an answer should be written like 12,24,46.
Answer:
5,00,36
